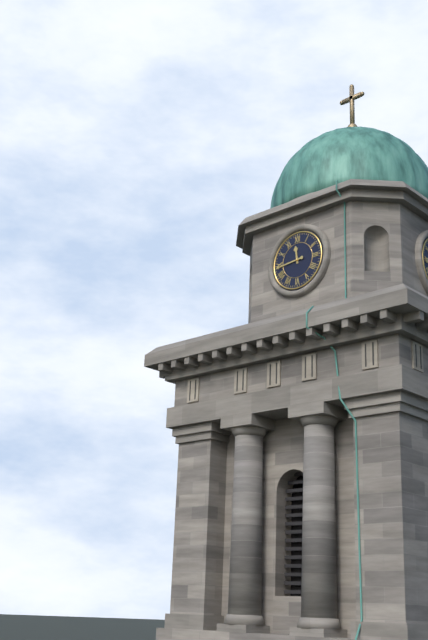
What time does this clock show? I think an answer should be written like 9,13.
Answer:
11,44
